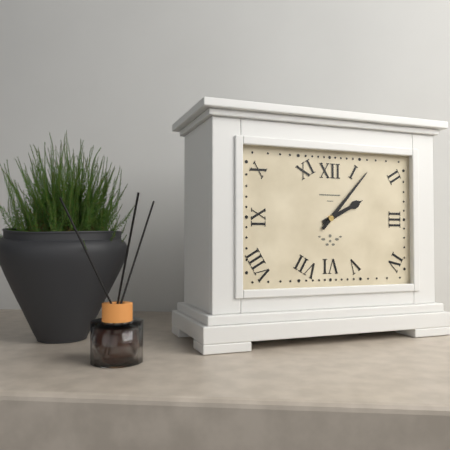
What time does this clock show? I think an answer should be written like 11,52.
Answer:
2,07
